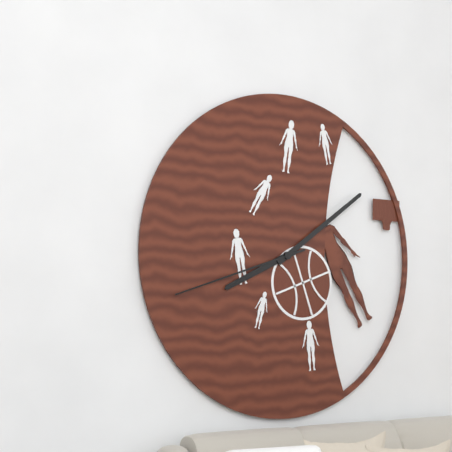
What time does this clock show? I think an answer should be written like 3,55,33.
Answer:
8,09,42
